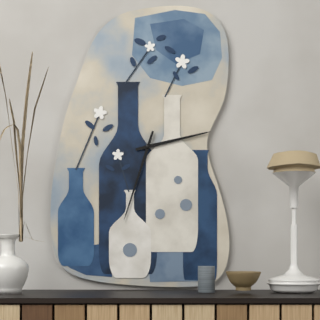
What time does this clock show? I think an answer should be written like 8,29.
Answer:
2,33
